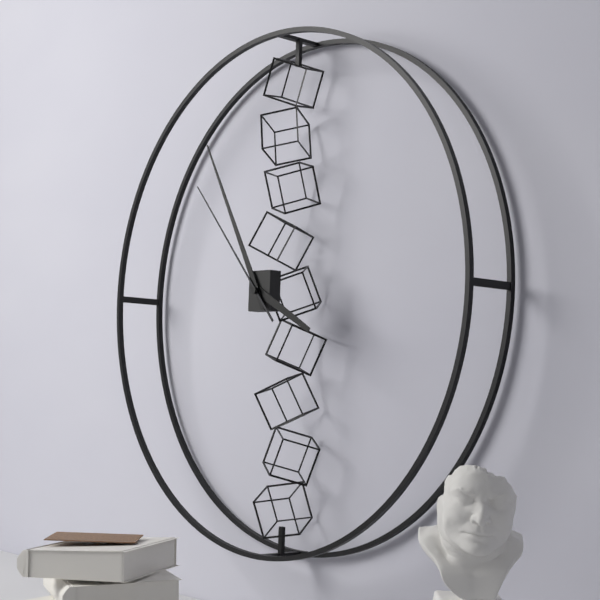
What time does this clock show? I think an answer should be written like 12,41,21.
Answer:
3,55,53
